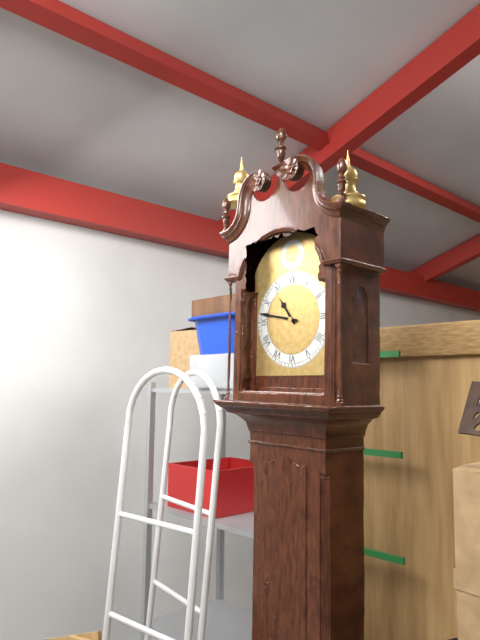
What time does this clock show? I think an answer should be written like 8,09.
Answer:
10,47
